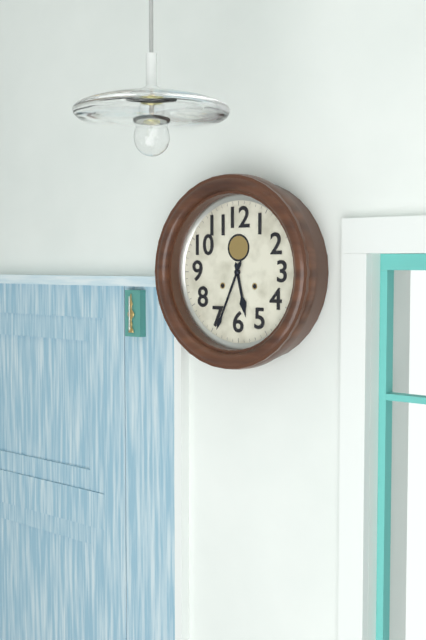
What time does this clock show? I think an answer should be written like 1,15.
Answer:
5,34
